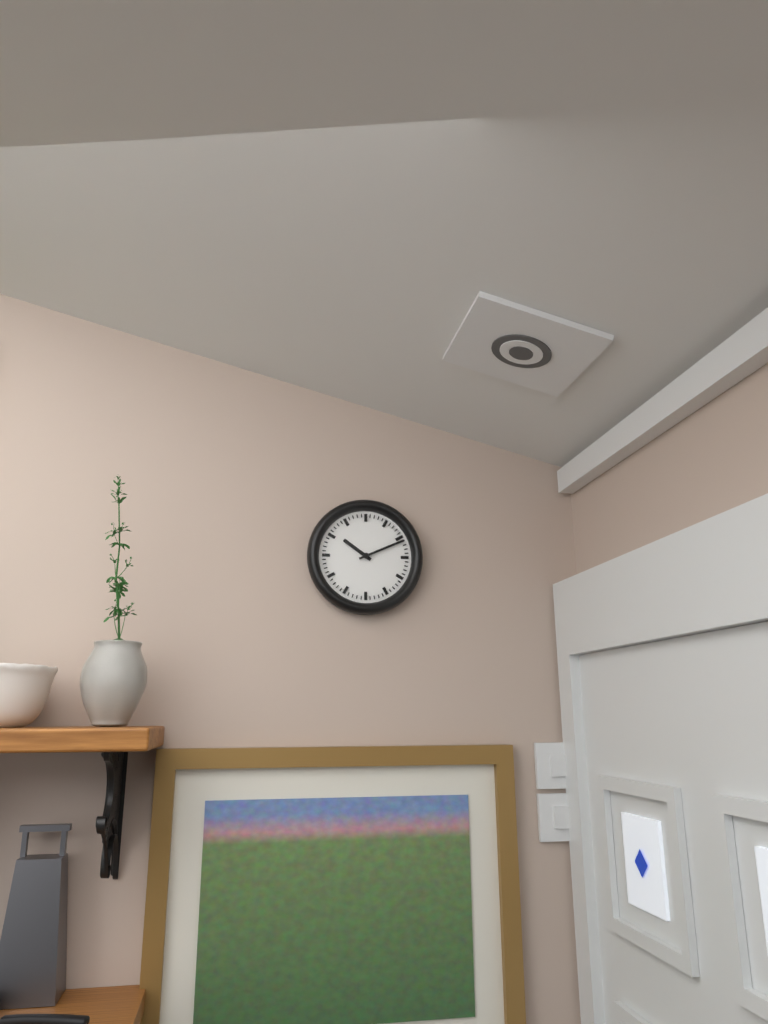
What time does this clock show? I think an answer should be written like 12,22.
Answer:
10,11
